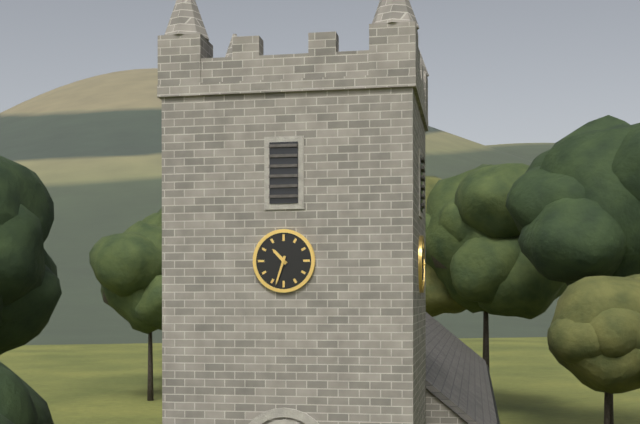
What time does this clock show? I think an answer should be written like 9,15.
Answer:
10,33
